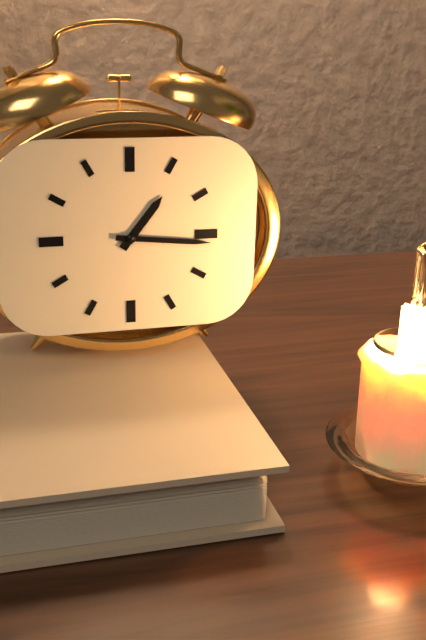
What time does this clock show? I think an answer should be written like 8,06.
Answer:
1,16
